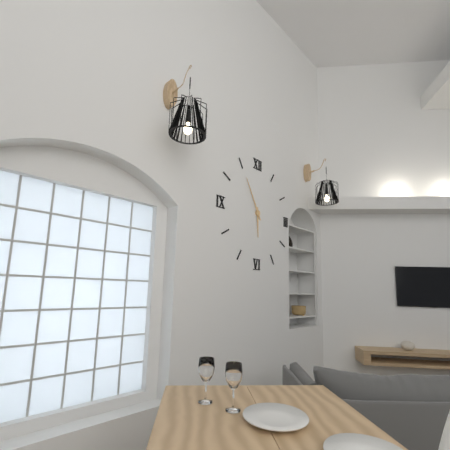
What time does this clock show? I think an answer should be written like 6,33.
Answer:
5,55
